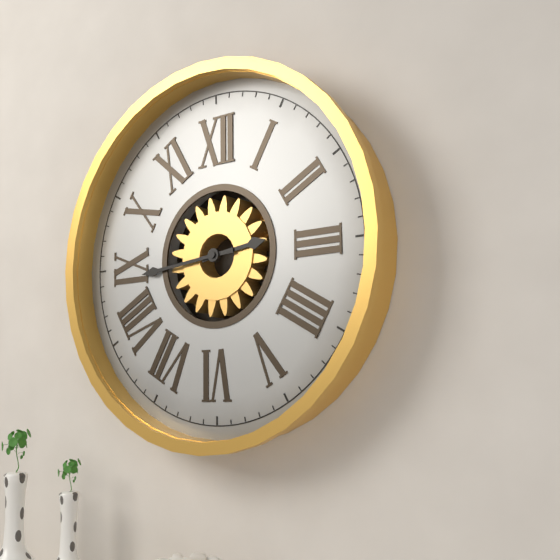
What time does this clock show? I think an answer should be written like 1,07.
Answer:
2,44
